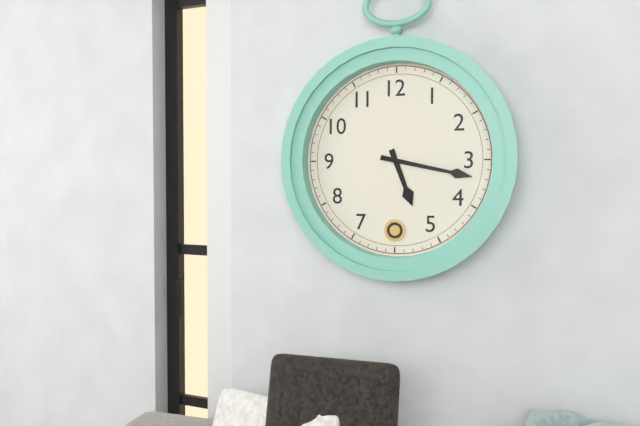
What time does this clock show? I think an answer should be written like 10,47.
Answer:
5,17
